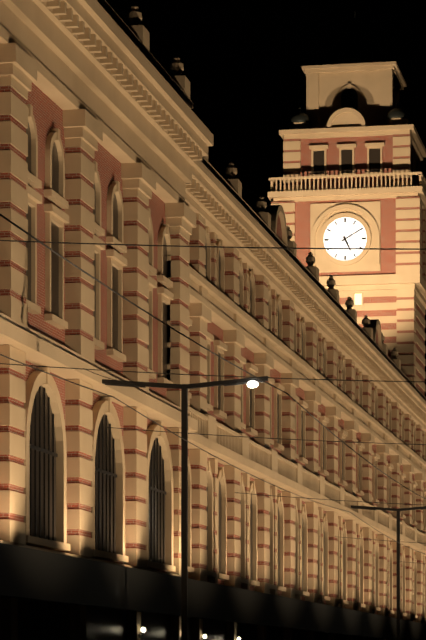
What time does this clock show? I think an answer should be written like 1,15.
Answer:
5,10
